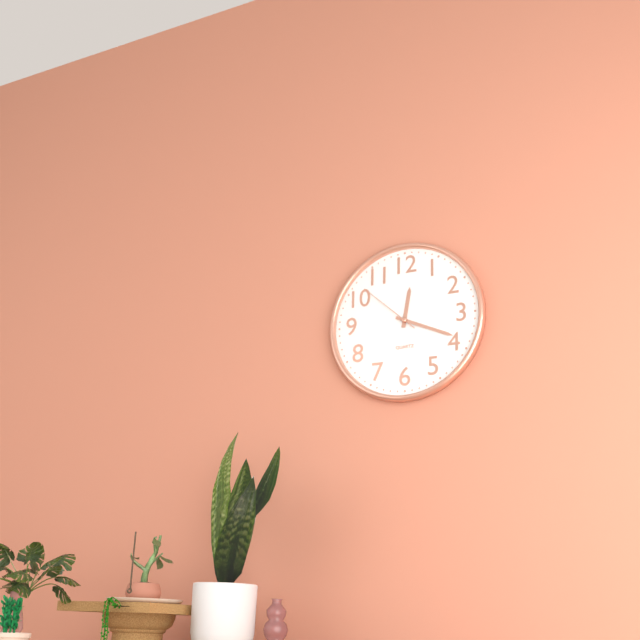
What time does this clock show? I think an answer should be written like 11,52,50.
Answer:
12,19,52
